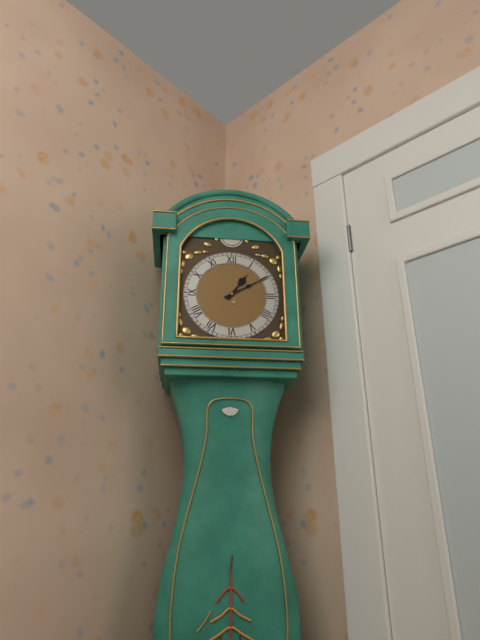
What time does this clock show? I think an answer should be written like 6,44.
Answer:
1,10
